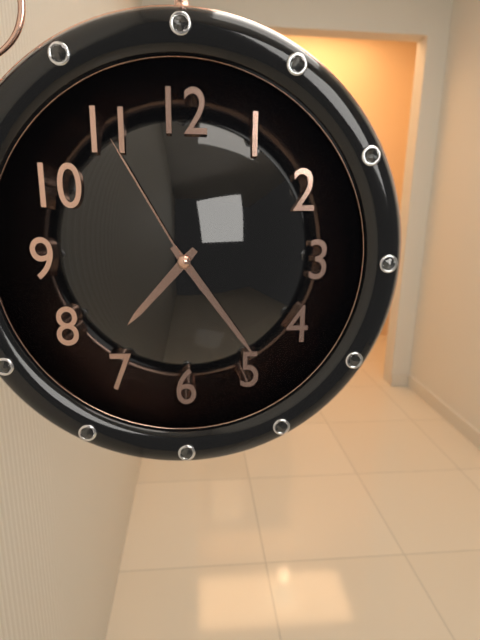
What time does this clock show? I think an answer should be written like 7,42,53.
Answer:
7,24,55
